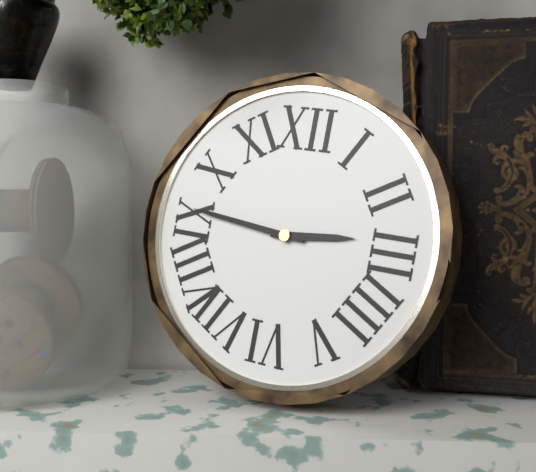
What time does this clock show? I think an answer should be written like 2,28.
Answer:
2,46
